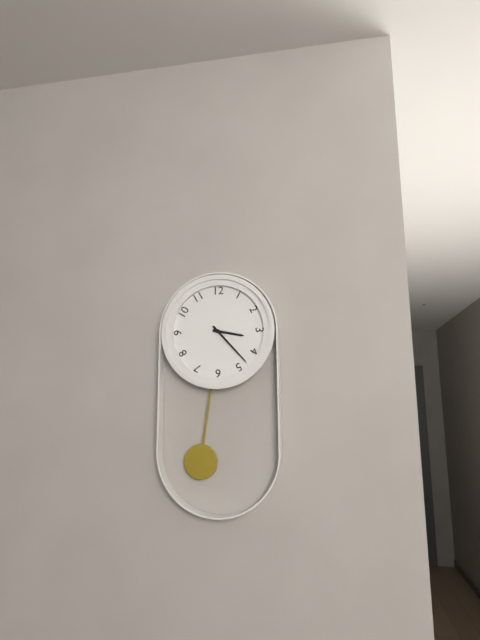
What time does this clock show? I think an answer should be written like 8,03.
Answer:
3,23
